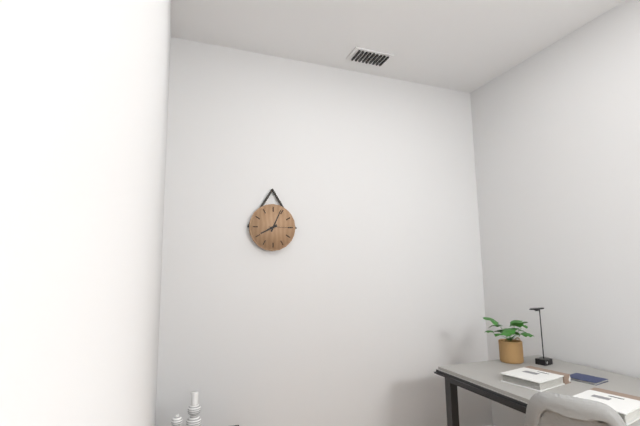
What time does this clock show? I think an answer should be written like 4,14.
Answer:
8,04
